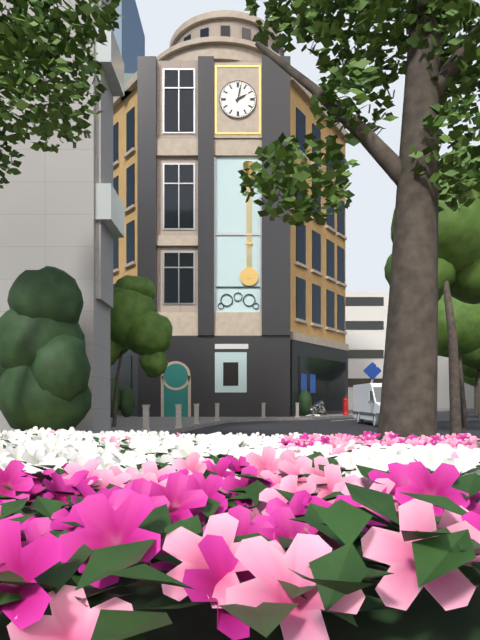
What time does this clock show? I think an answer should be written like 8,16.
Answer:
2,02
